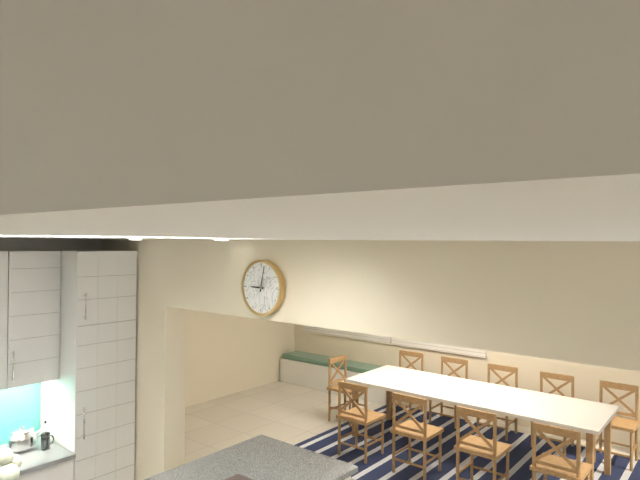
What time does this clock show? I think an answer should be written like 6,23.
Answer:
9,02
